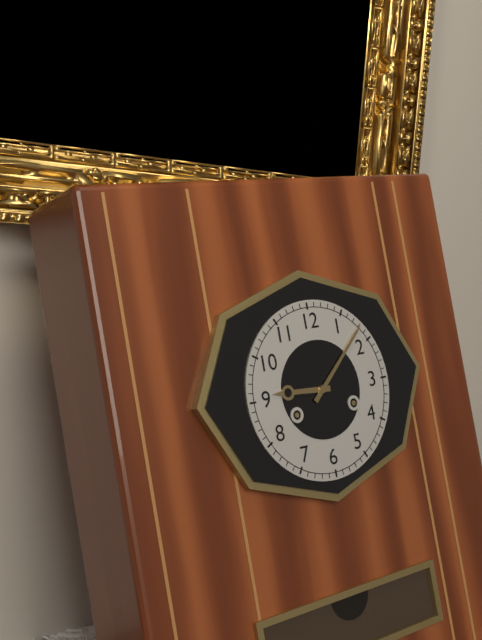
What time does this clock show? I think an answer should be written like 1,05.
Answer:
9,08
